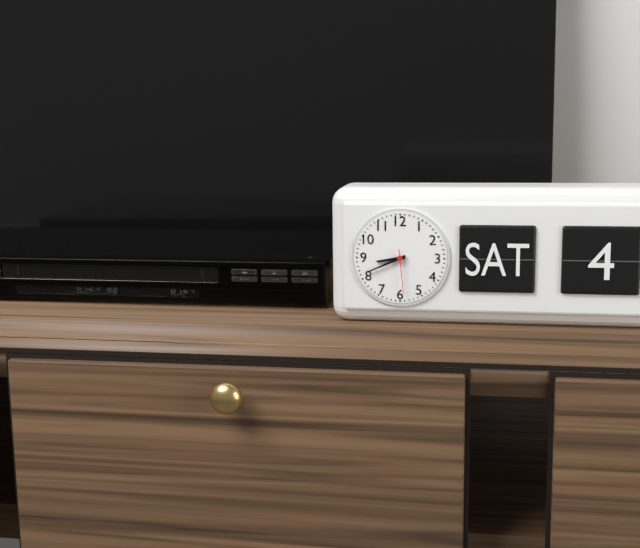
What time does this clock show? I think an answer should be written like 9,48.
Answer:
8,41
